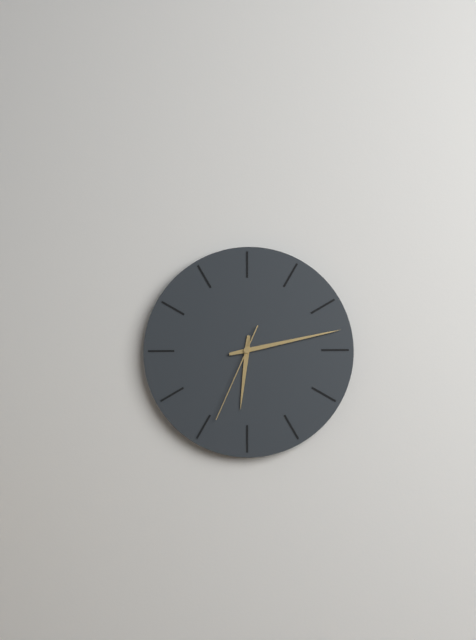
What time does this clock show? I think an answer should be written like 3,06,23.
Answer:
6,13,34
